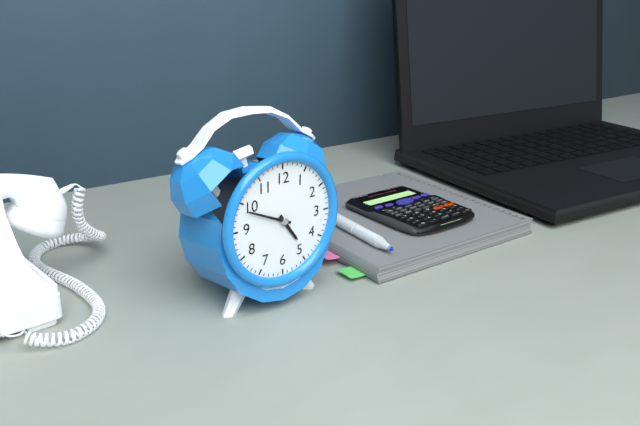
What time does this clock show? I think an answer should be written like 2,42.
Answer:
4,49
